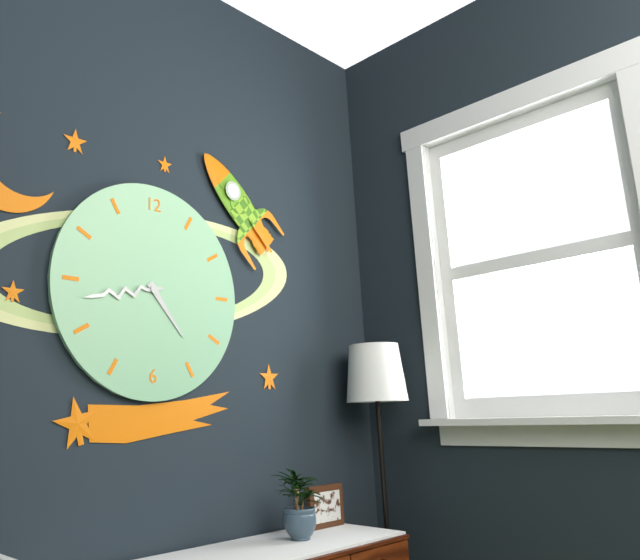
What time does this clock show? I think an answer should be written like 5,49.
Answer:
4,43
